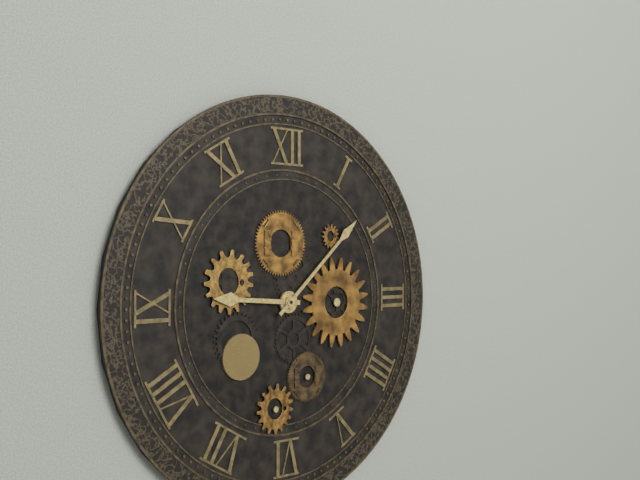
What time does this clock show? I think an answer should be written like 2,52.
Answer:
9,08
